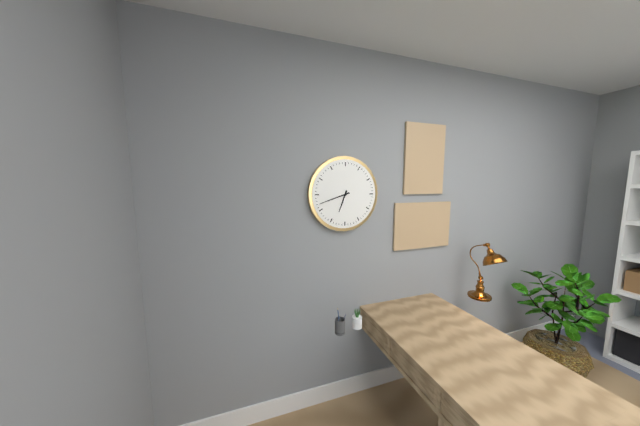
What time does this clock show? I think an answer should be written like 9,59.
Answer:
6,42
